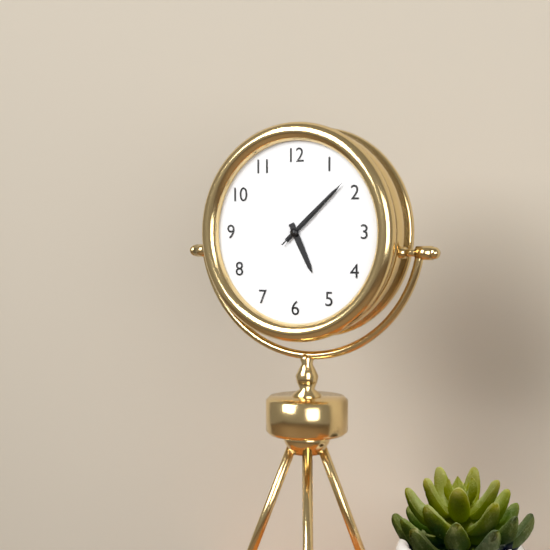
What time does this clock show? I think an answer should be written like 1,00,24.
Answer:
5,08,08
